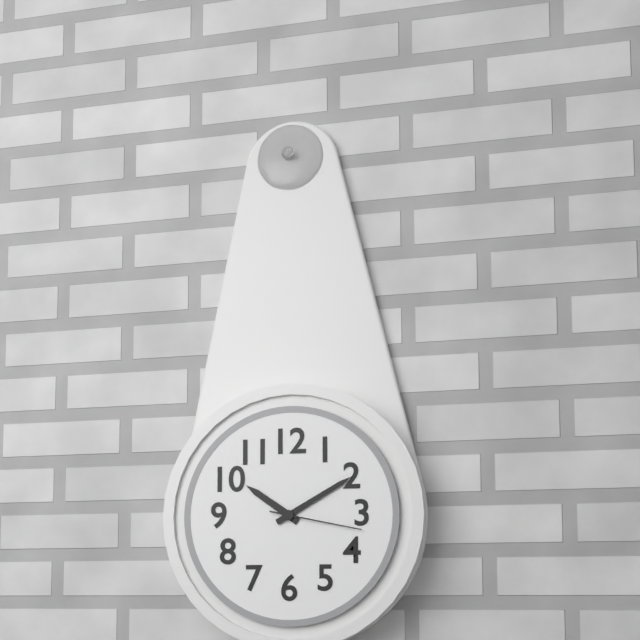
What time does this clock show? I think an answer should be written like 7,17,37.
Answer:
10,10,17
